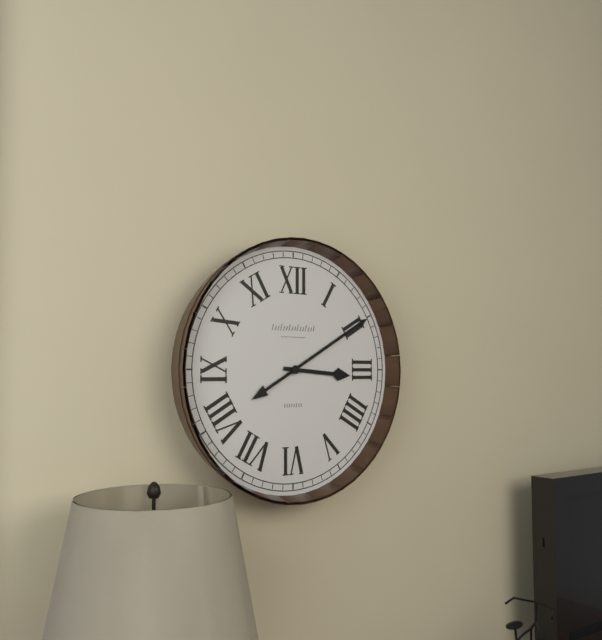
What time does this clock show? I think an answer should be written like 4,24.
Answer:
3,10
